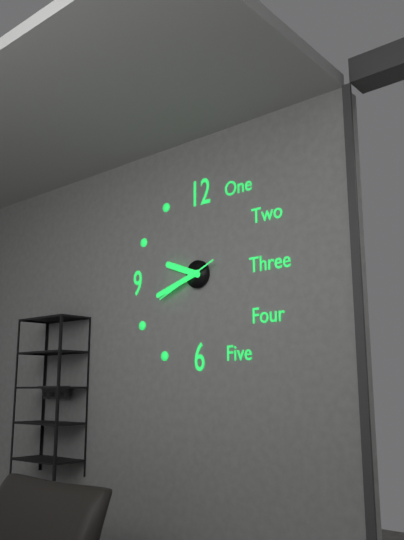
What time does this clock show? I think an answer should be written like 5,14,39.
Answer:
9,42,41
